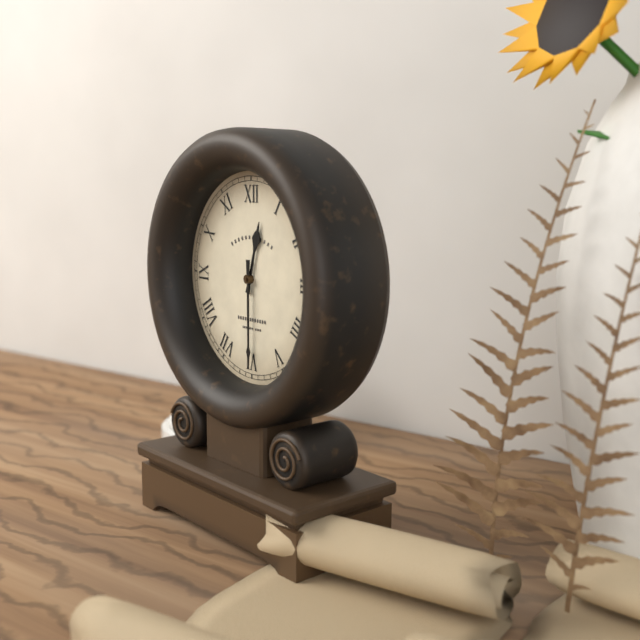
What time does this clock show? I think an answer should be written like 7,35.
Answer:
12,30
